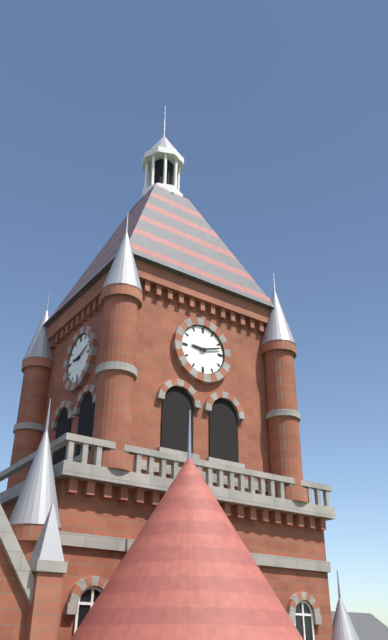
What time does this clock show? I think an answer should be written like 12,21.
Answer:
9,12
